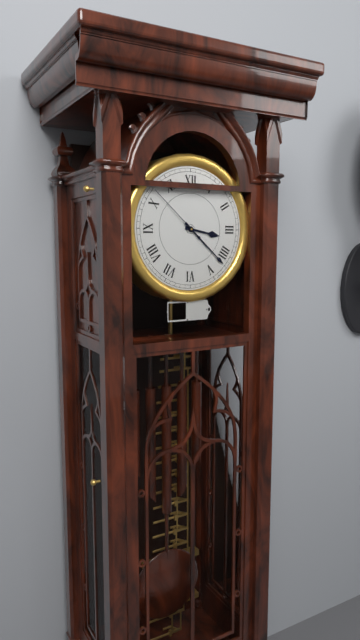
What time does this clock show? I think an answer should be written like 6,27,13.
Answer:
3,22,52
